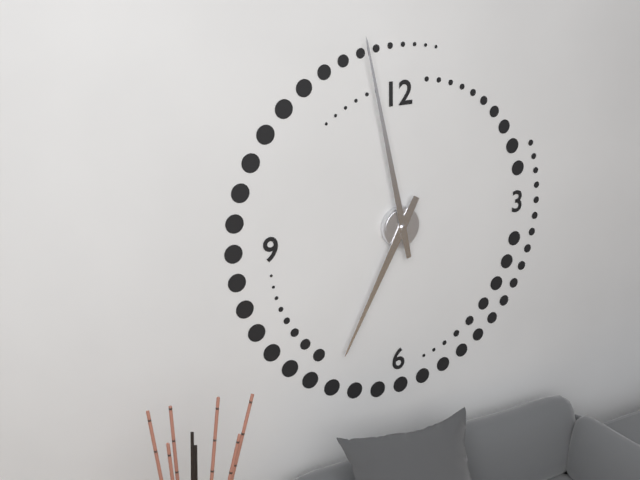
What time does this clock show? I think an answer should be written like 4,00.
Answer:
6,58
